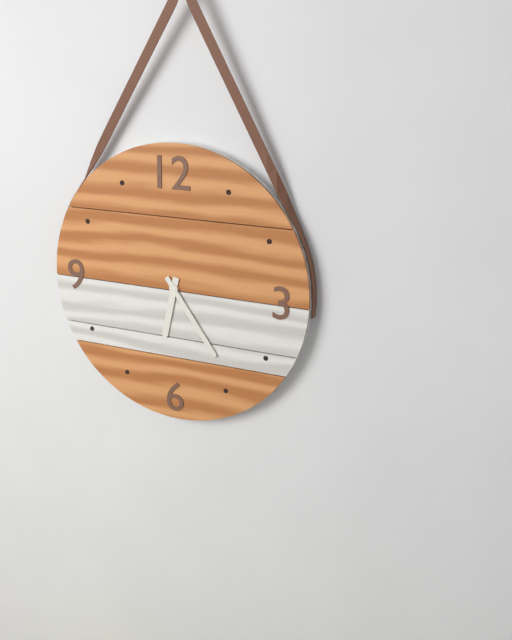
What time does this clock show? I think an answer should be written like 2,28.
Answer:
6,24
